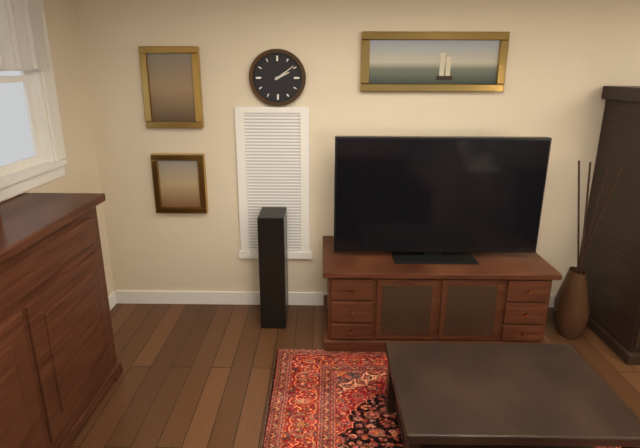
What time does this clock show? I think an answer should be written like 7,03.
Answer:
2,09
